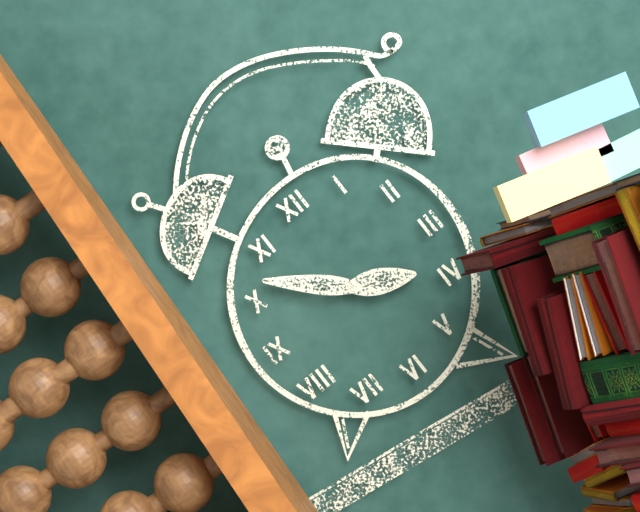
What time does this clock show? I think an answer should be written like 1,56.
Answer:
3,52
